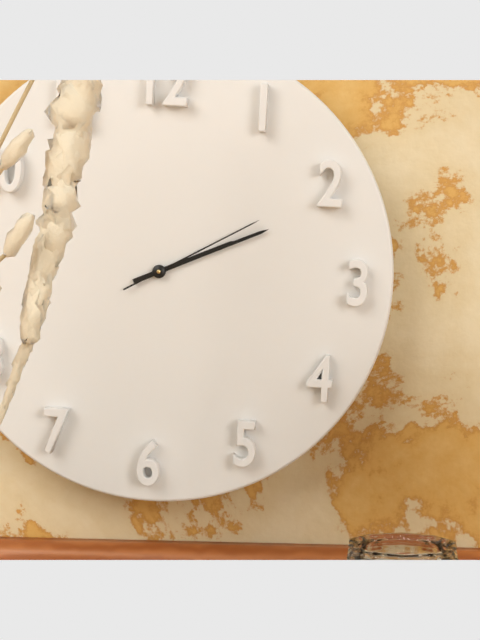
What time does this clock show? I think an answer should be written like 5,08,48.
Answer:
2,11,10
